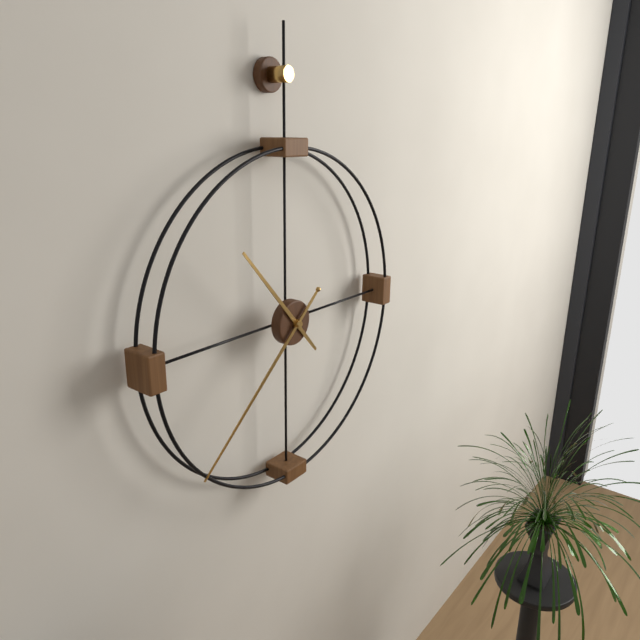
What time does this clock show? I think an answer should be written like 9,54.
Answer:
10,38
